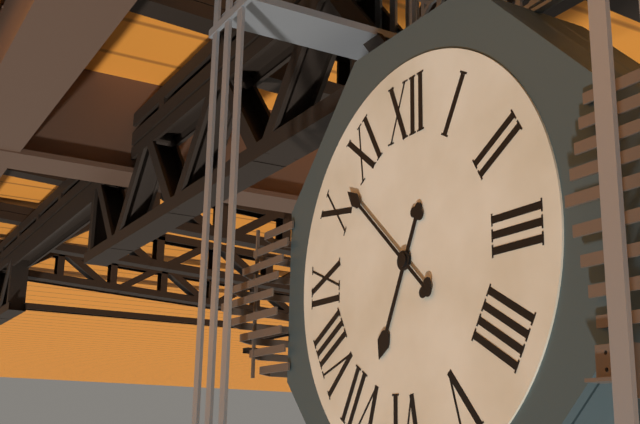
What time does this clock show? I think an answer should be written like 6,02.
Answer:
6,52
